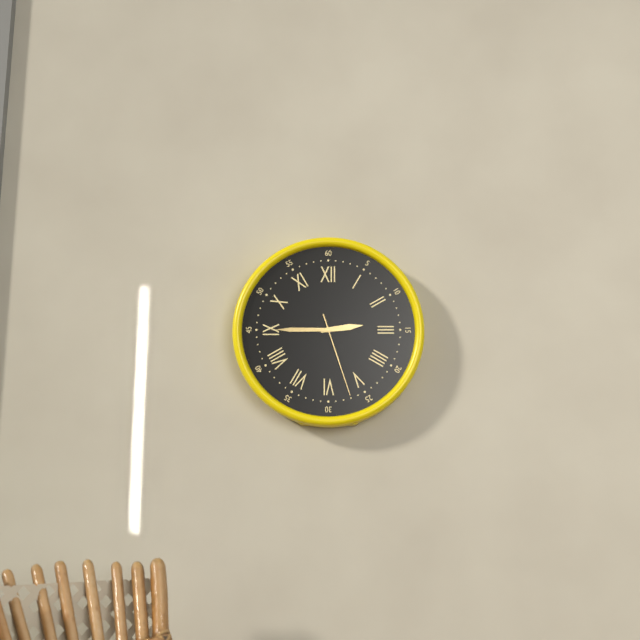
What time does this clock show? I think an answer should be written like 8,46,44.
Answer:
2,45,27
